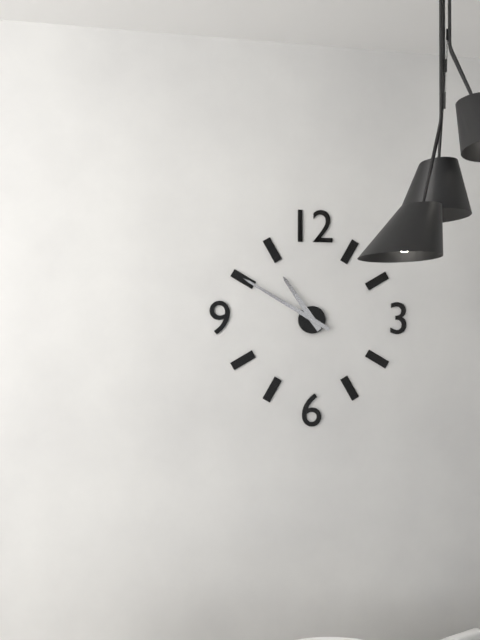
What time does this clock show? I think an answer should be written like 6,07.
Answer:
10,50
